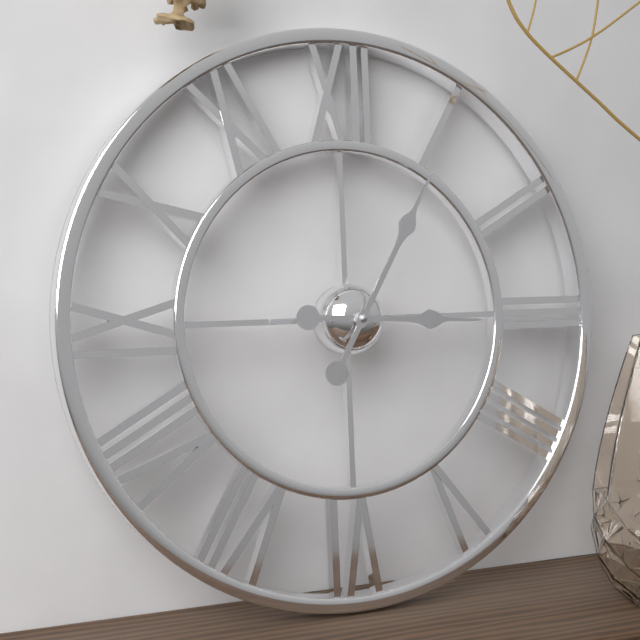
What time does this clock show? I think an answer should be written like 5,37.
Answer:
3,05
